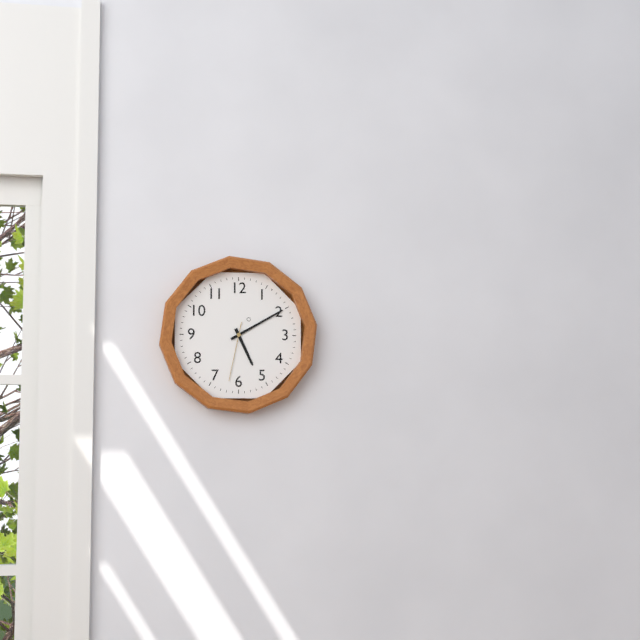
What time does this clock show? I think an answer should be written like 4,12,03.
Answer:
5,10,32
